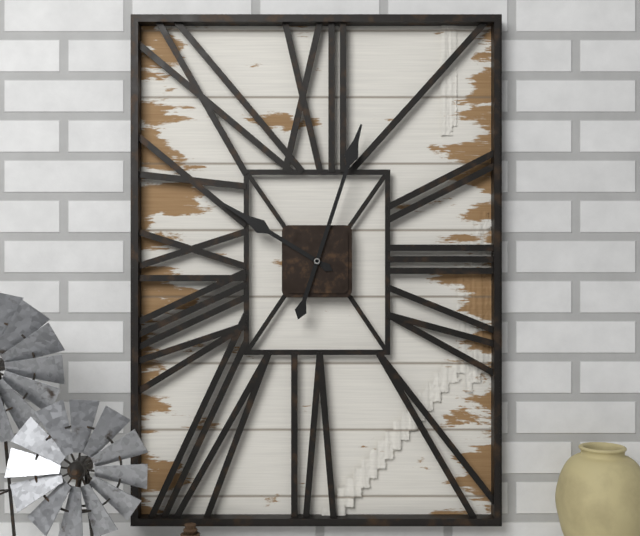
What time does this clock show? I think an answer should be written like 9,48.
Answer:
10,03
